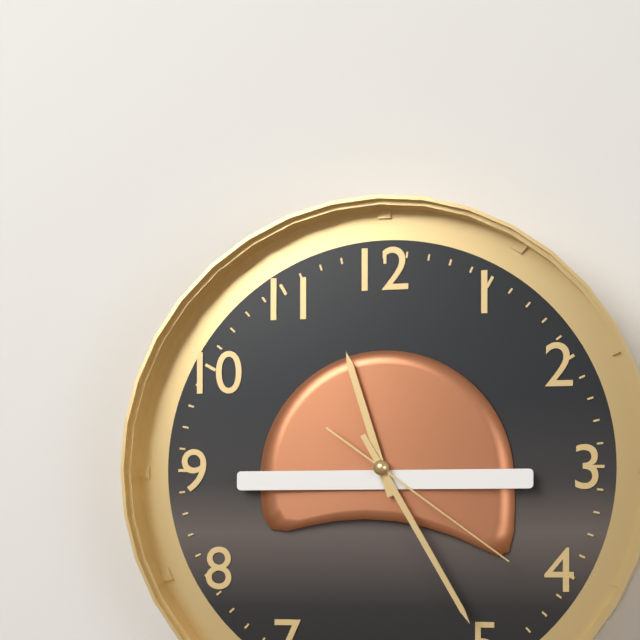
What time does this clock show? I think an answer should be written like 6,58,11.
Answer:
11,25,21
